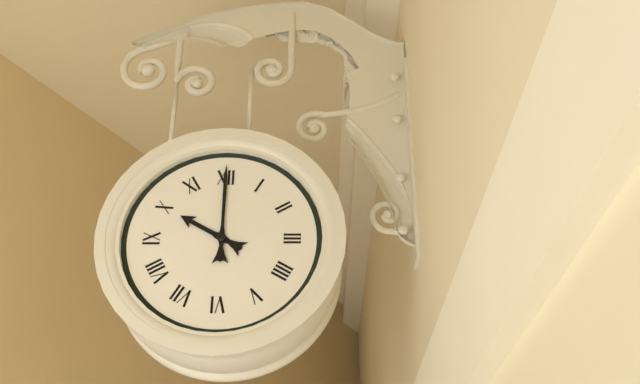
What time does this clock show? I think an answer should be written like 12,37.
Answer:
10,00
